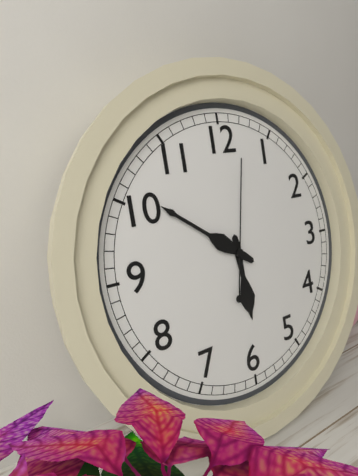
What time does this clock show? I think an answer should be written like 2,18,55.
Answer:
5,51,02
